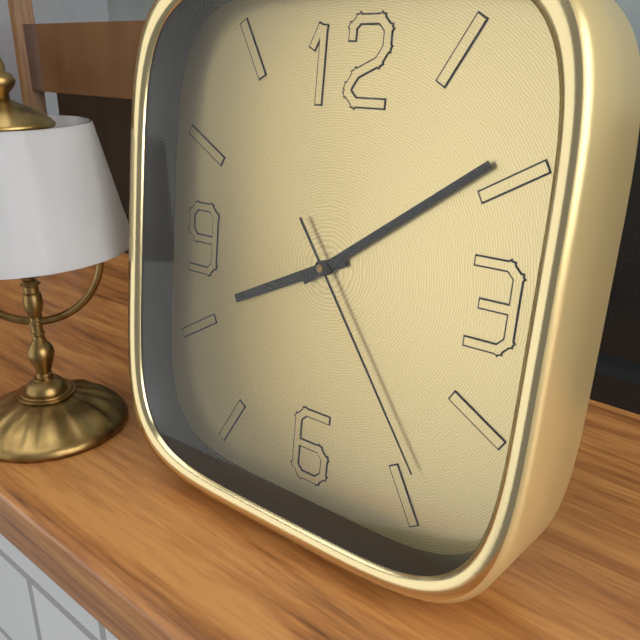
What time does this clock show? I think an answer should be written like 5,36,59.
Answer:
8,09,24
